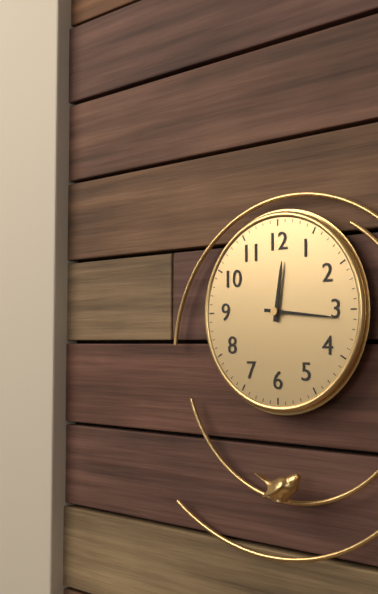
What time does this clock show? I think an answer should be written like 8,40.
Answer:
12,16
